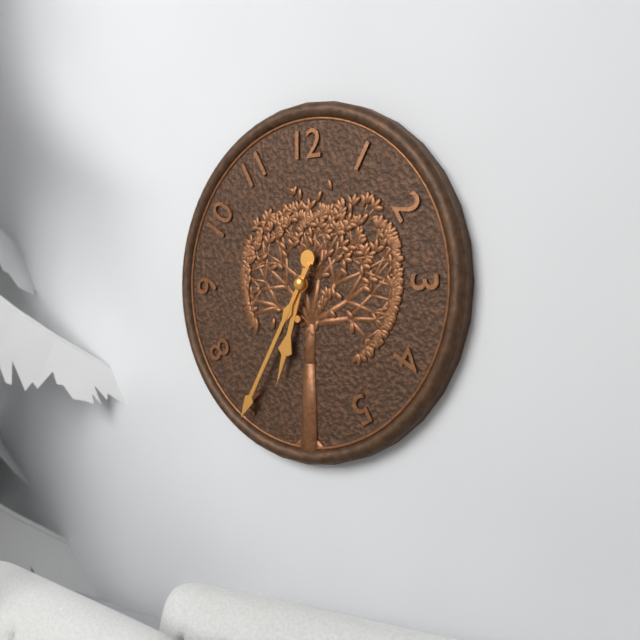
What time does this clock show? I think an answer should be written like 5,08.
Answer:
6,35
